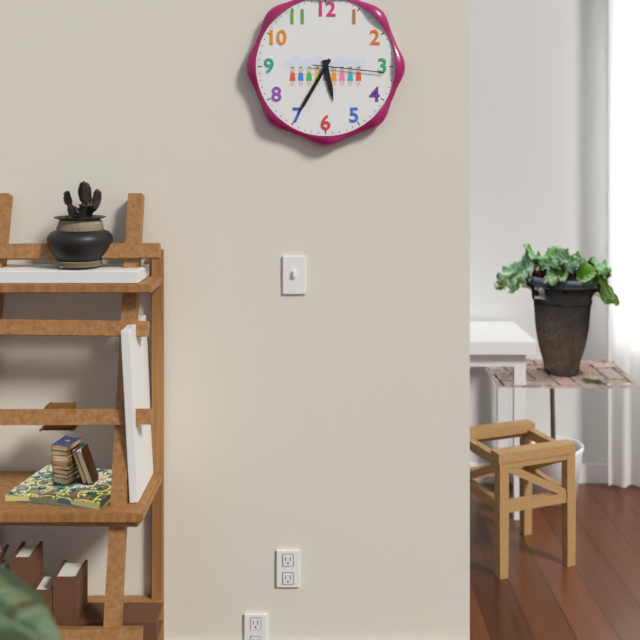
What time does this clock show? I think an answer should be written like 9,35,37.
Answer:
5,35,16
